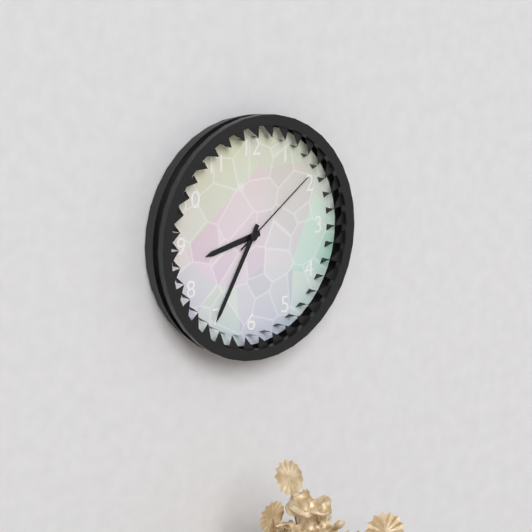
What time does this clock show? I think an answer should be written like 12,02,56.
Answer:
8,35,09
